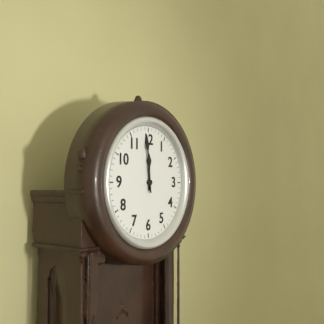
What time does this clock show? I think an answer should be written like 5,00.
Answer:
11,59
